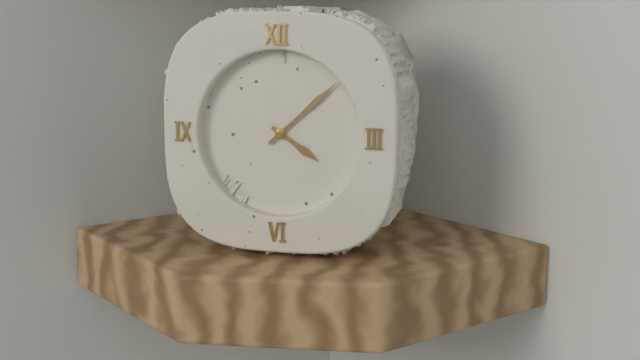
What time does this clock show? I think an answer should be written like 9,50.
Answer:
4,08
